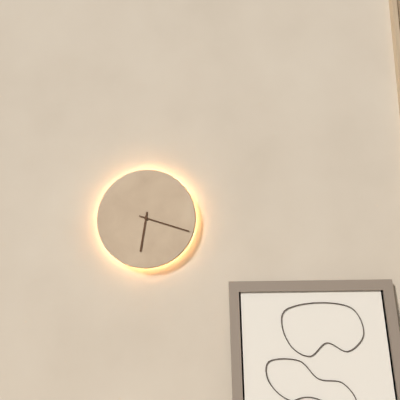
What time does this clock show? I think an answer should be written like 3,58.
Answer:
6,18
